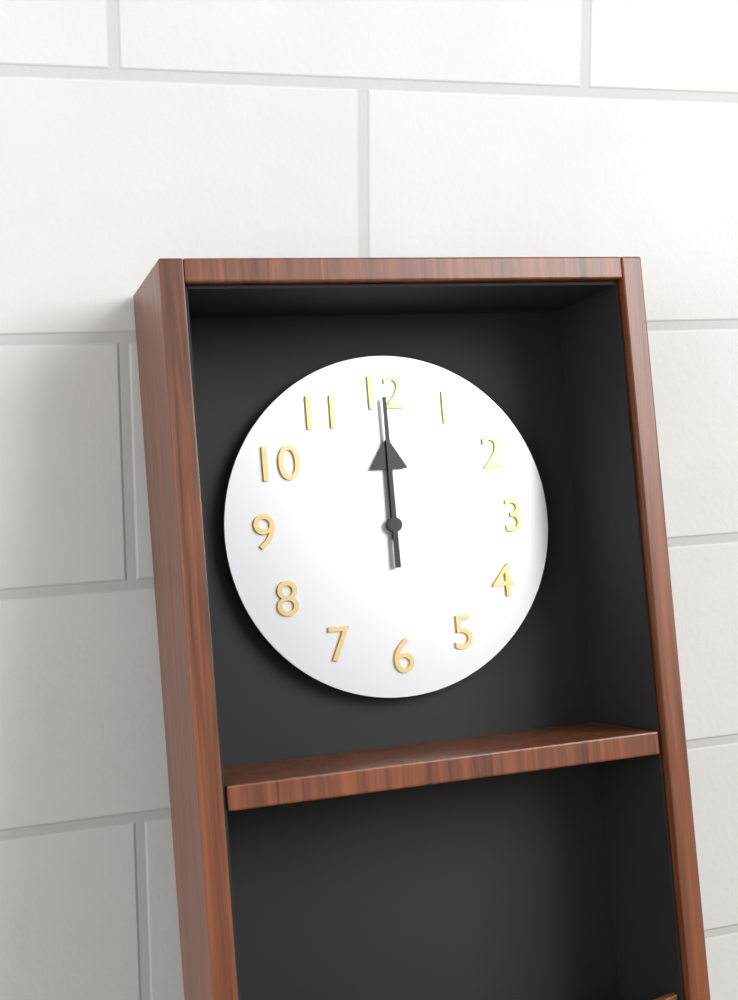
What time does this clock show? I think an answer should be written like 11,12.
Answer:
12,00
